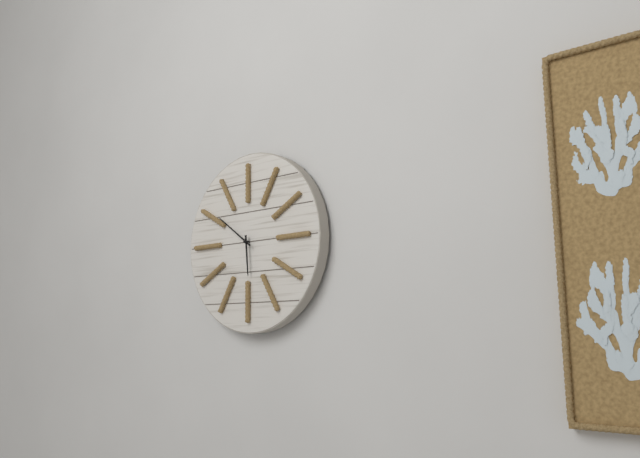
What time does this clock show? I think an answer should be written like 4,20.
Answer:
5,51
